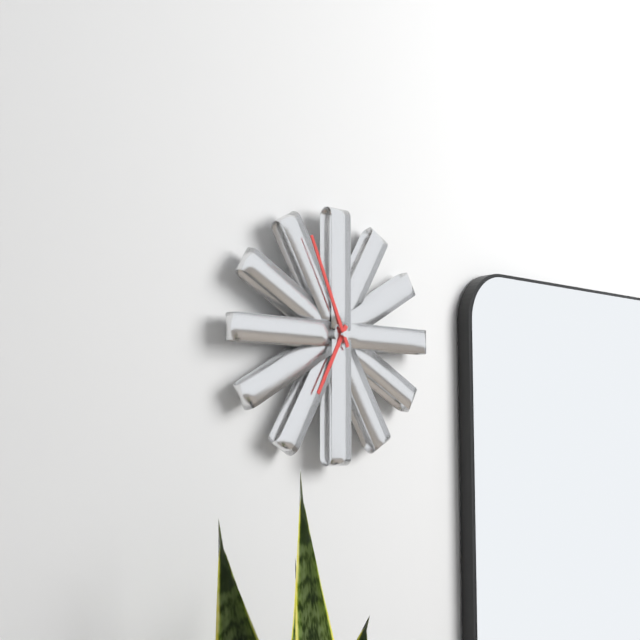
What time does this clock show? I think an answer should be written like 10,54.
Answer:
6,56
